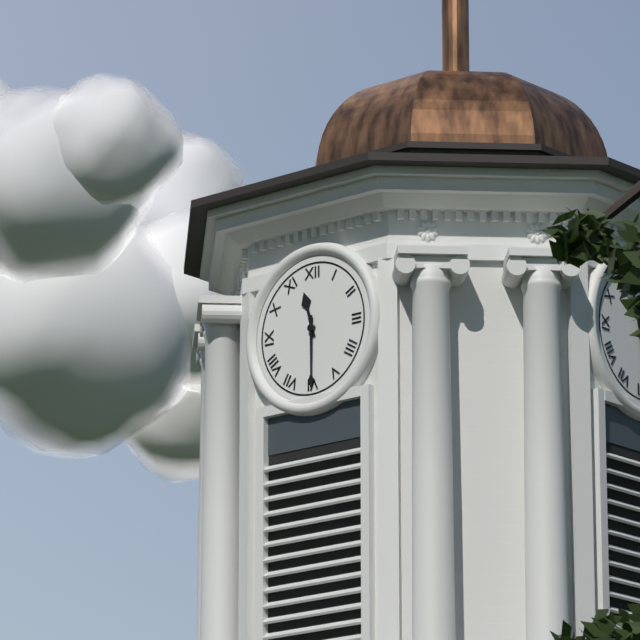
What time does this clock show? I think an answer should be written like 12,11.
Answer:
11,30
